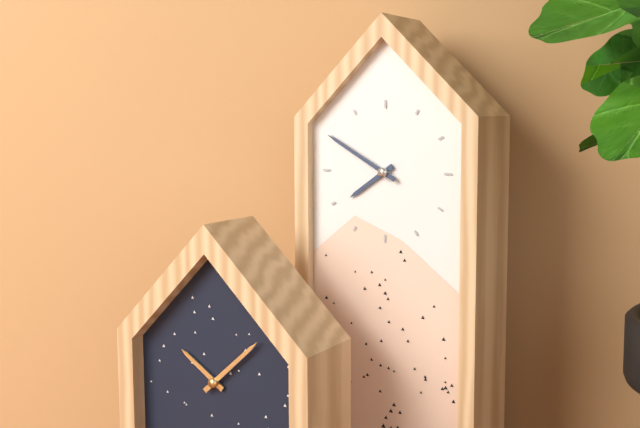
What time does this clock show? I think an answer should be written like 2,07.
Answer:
7,50
